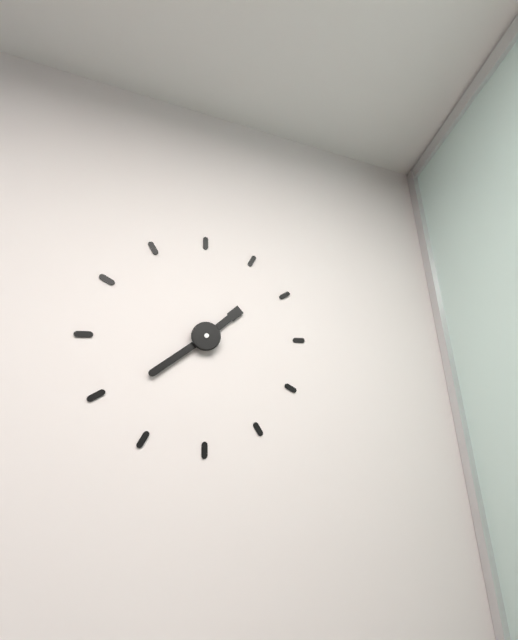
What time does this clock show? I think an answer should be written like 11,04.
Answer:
1,39
